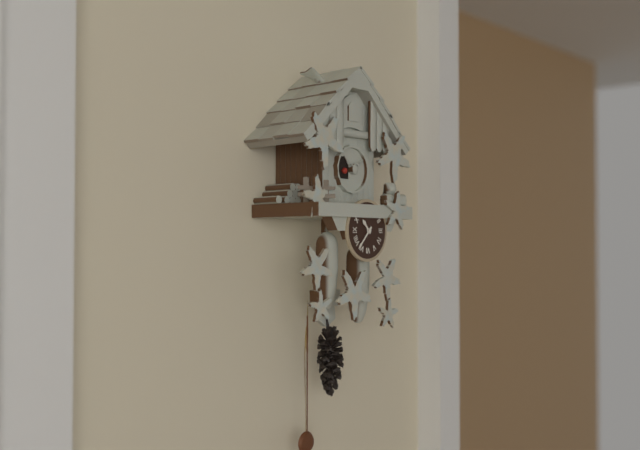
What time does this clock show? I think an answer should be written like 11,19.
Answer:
10,37
